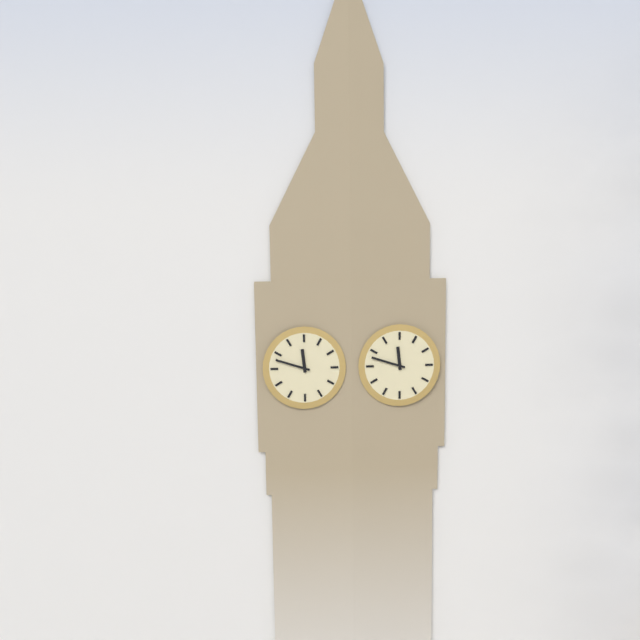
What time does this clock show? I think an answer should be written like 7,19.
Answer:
11,48
